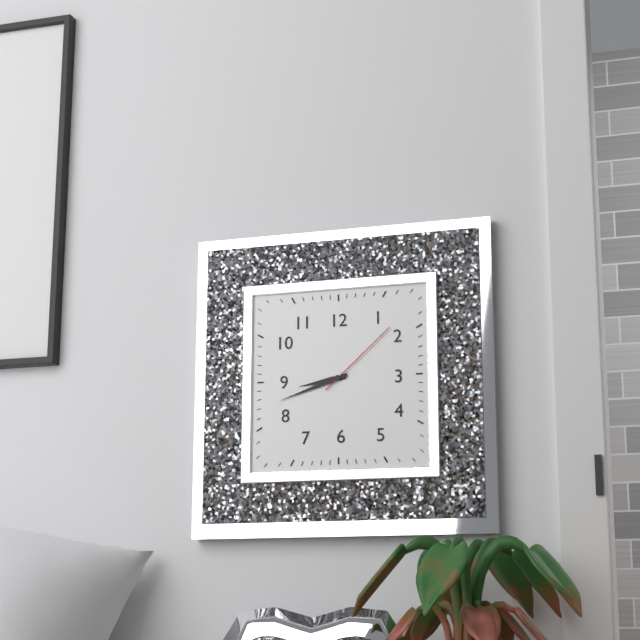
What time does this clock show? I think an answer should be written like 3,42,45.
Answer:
8,42,08
